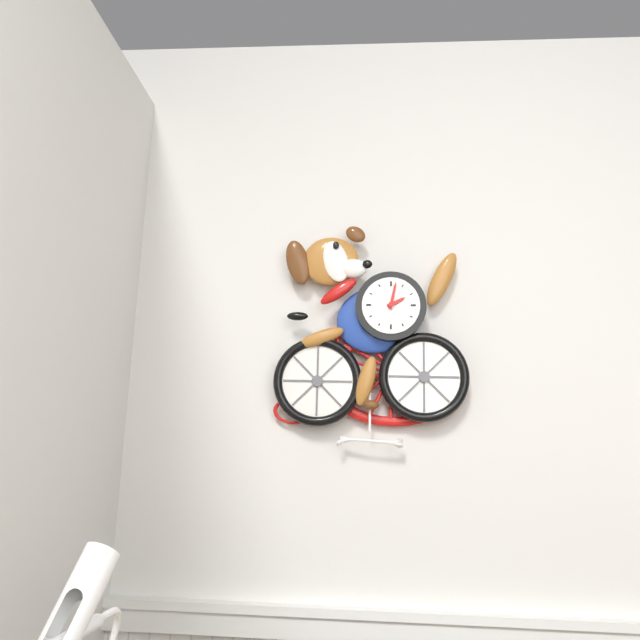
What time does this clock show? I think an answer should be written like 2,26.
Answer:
2,02
